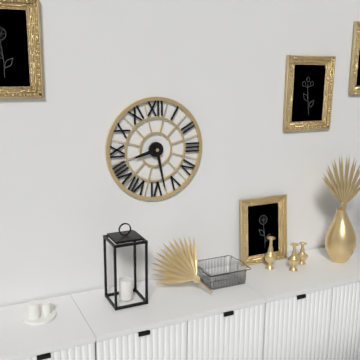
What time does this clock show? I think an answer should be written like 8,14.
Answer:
8,28
